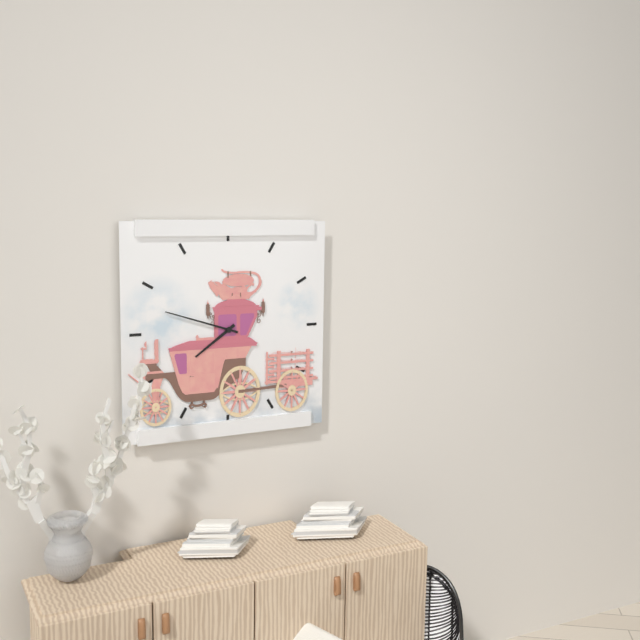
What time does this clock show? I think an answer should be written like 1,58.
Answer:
7,48
